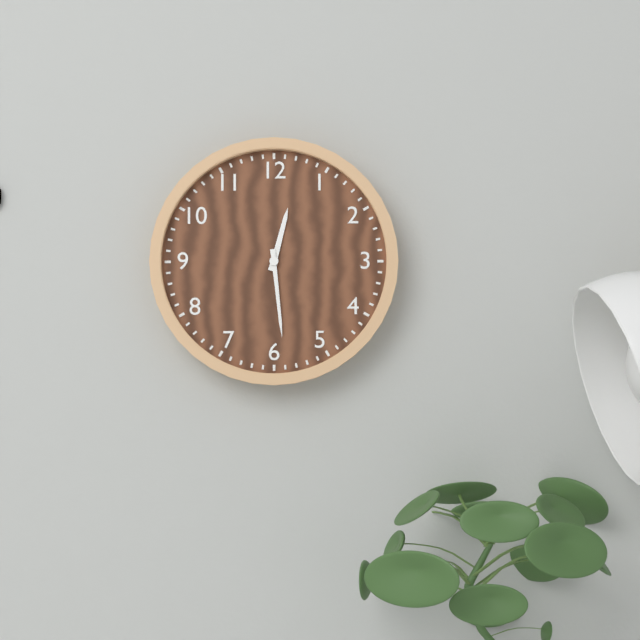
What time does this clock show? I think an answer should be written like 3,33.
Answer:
12,29
